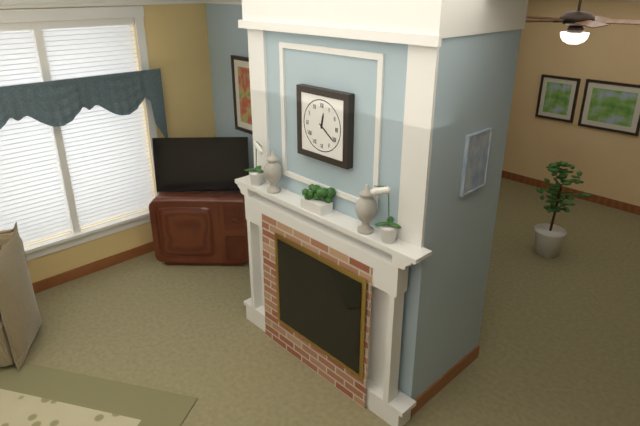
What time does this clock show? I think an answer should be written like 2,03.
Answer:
12,21
